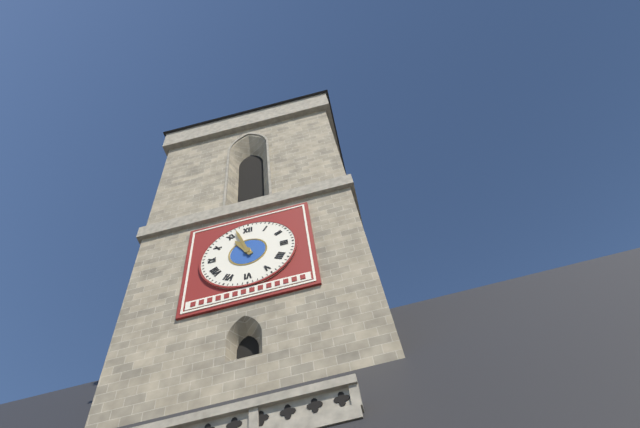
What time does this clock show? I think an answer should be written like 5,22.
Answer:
10,57
